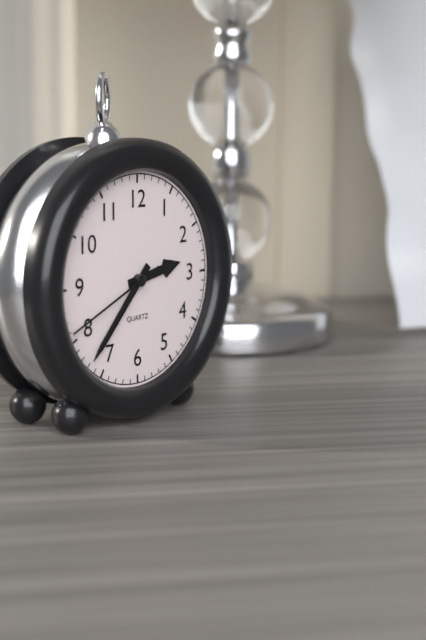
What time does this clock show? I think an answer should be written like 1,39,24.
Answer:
2,37,41
